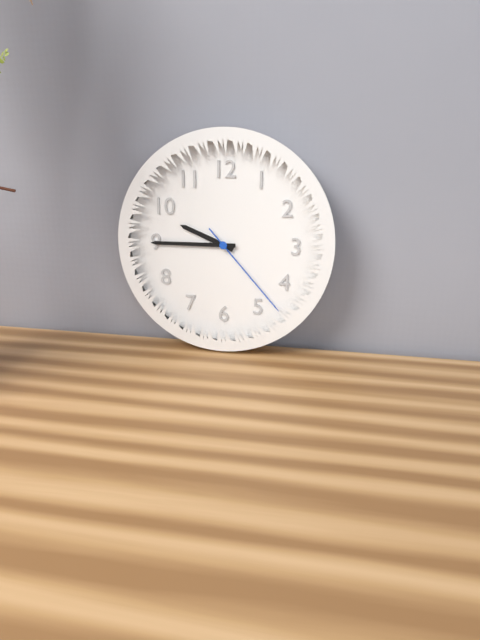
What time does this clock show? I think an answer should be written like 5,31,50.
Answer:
9,45,23
